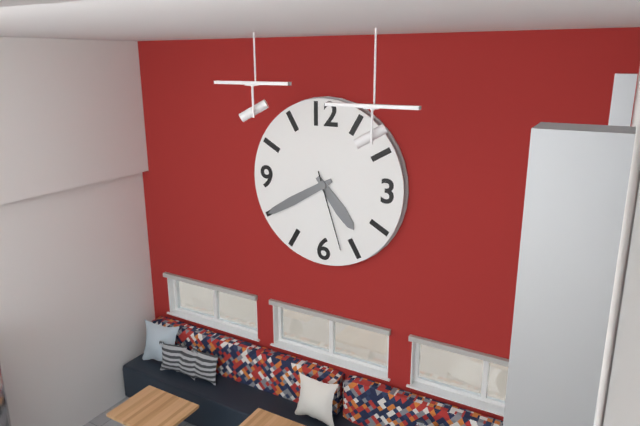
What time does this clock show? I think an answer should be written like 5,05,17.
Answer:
4,40,27
